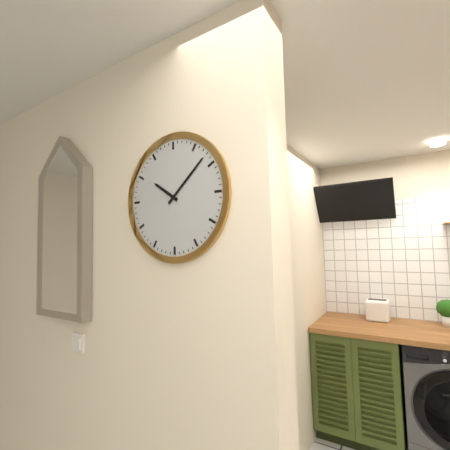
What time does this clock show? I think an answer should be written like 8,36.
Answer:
10,08
